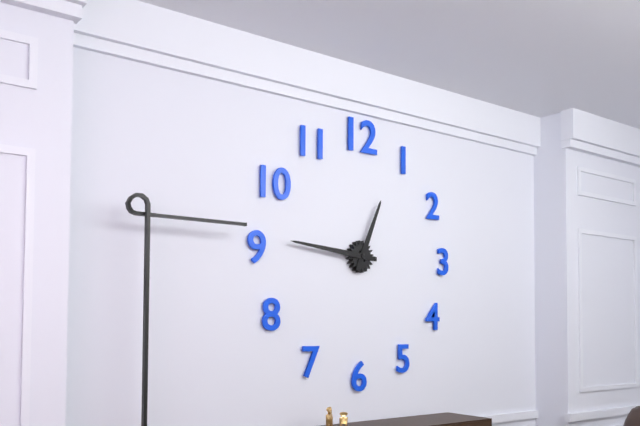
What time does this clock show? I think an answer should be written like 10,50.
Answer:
12,46
